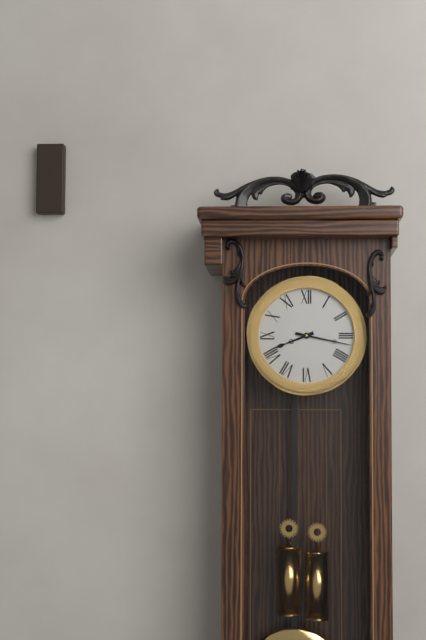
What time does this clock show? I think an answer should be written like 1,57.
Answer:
8,17
